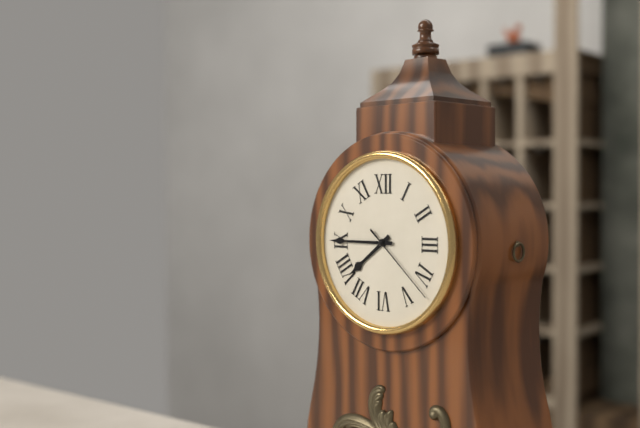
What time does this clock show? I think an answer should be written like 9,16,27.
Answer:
7,45,22
